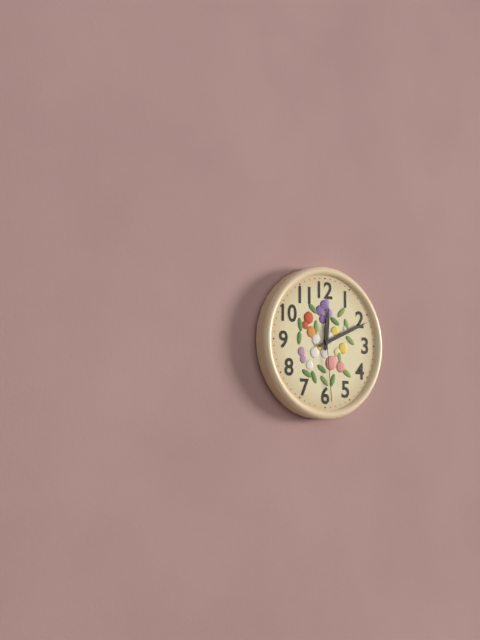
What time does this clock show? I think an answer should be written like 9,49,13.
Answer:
12,11,29
